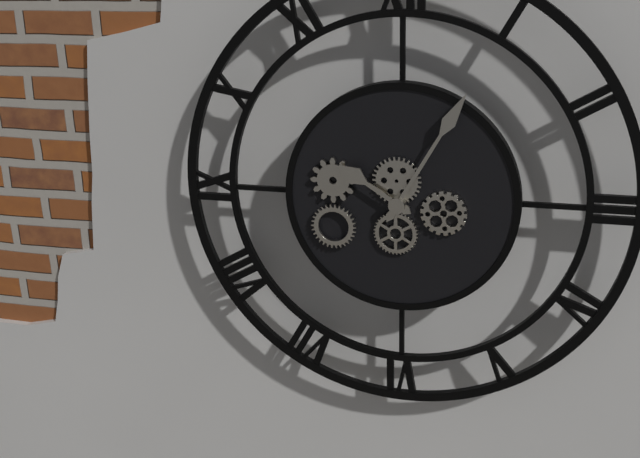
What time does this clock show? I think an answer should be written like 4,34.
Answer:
10,05
